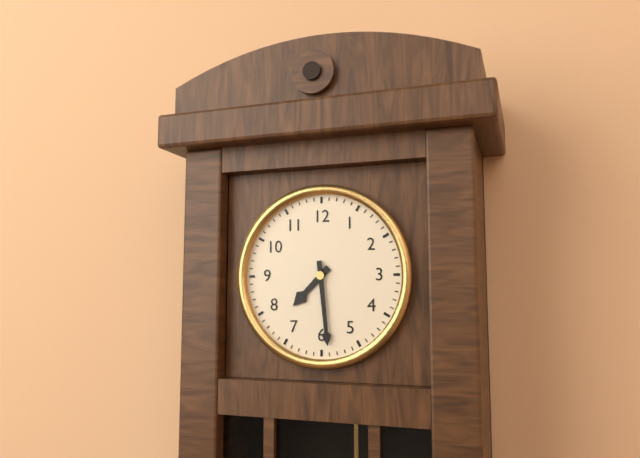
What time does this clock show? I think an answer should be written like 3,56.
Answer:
7,29
